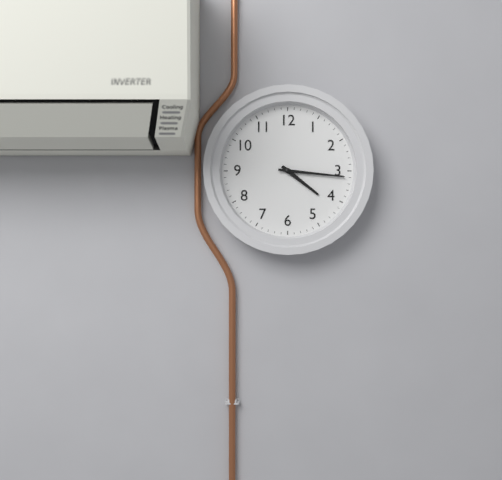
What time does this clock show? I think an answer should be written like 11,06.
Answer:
4,16
